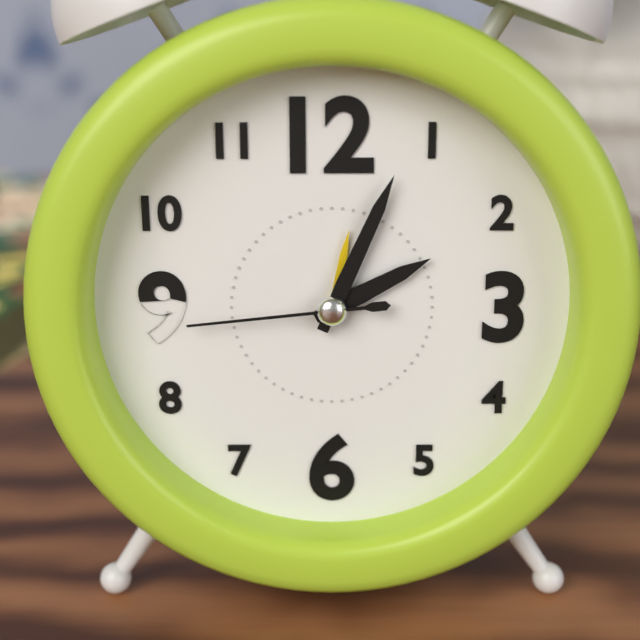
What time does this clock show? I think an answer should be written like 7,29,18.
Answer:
2,04,44
